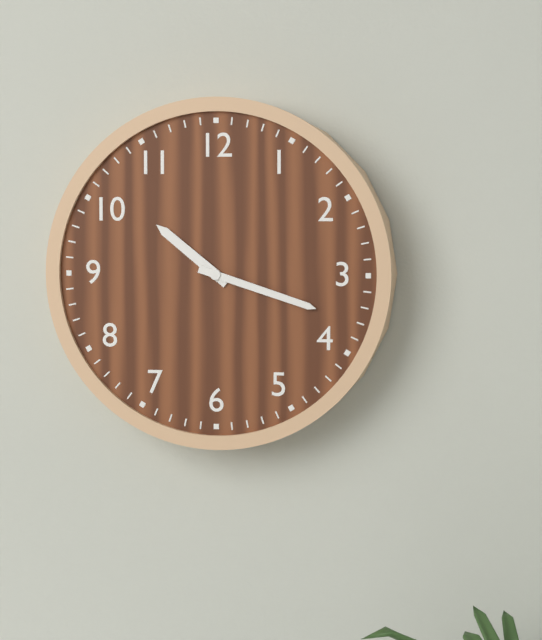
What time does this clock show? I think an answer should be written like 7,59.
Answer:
10,18
